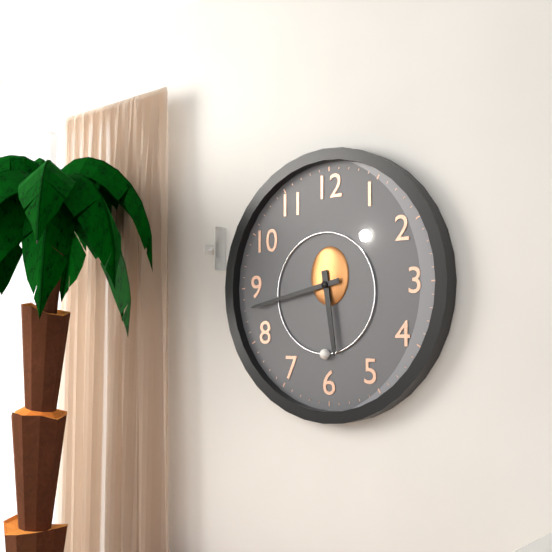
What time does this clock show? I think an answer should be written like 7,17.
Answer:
5,43
